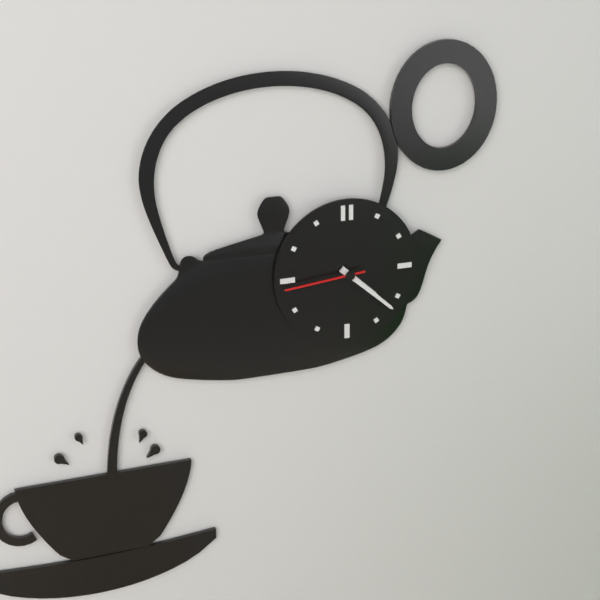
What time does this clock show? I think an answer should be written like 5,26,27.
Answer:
4,22,44
